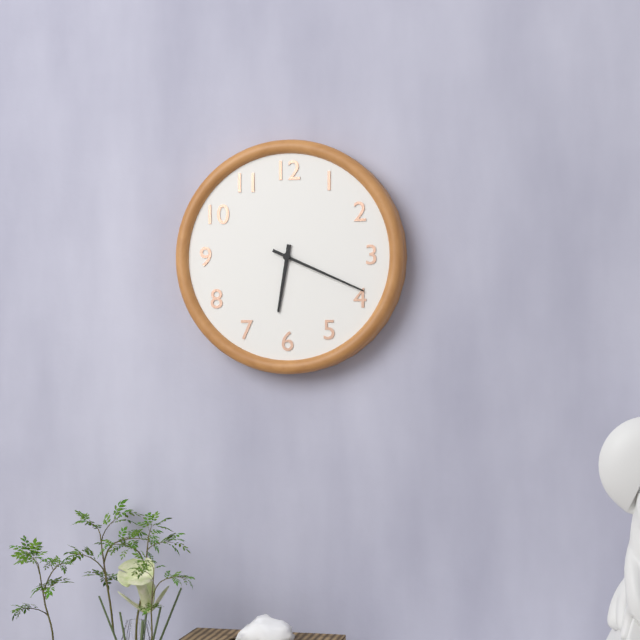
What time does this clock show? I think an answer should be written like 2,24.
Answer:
6,19
